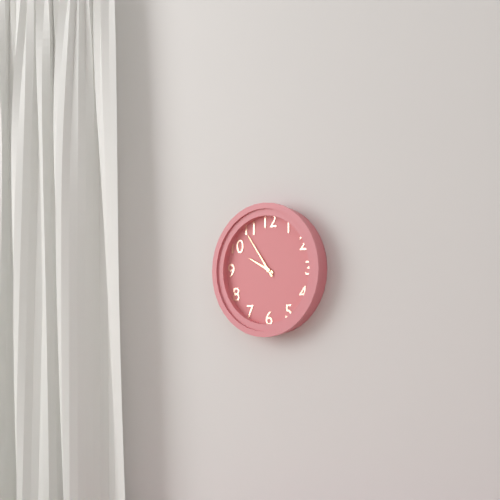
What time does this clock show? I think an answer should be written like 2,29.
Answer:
9,54
